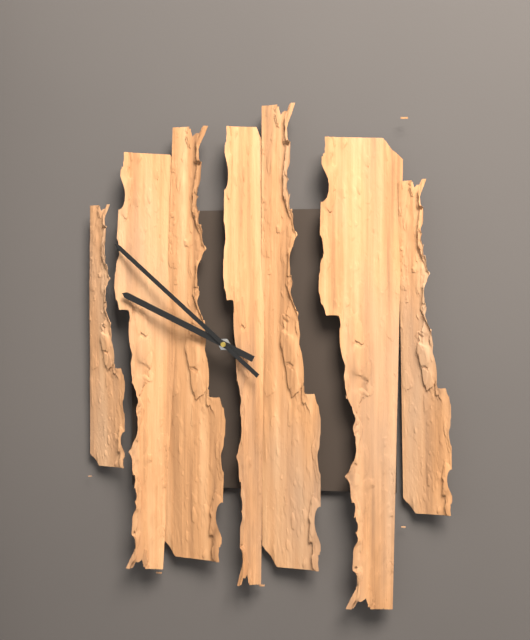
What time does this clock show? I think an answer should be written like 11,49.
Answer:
9,52
